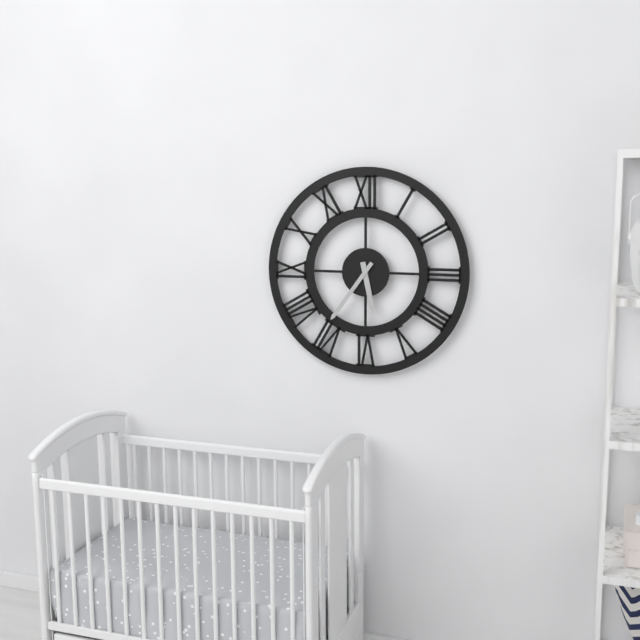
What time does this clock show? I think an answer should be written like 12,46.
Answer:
5,36
